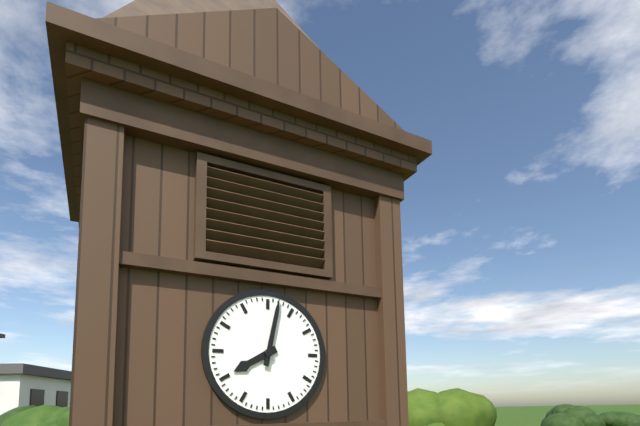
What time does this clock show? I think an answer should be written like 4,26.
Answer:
8,02
